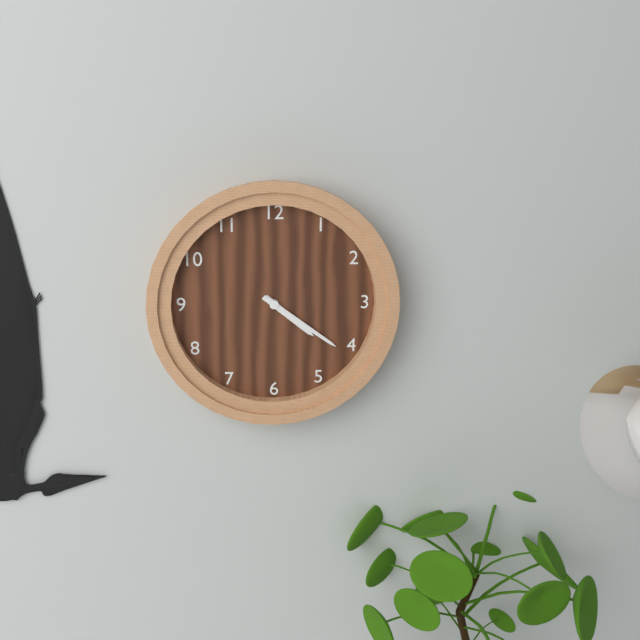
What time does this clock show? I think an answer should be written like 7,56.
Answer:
4,21
